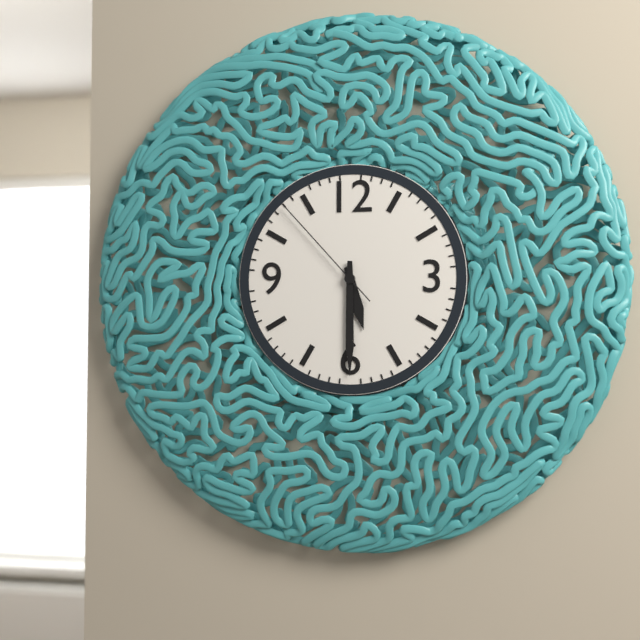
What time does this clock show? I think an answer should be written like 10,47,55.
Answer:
5,30,53
